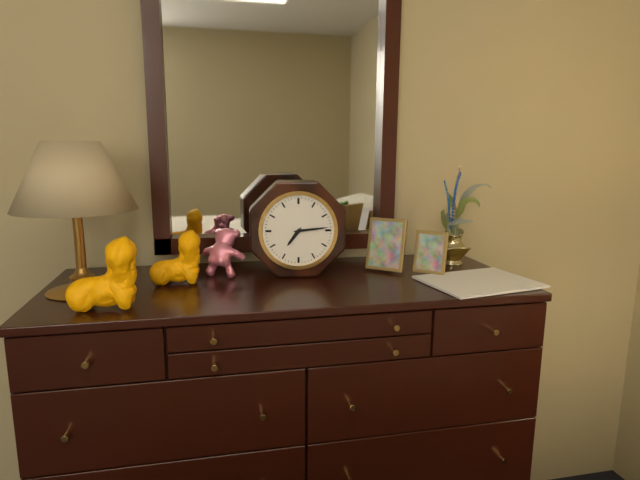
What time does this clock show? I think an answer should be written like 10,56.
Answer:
7,14
